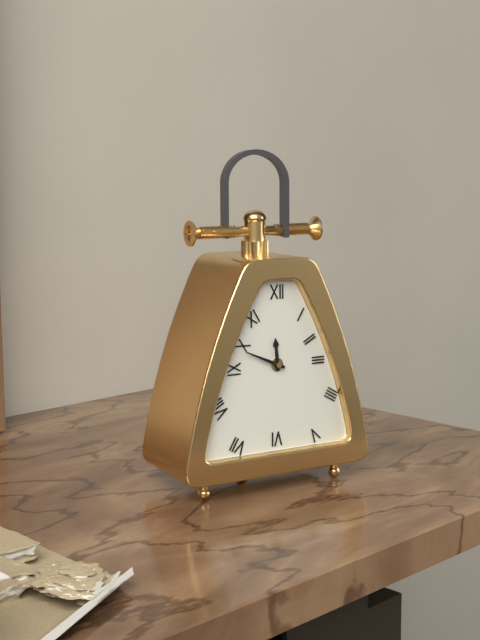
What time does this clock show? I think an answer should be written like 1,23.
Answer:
11,49
